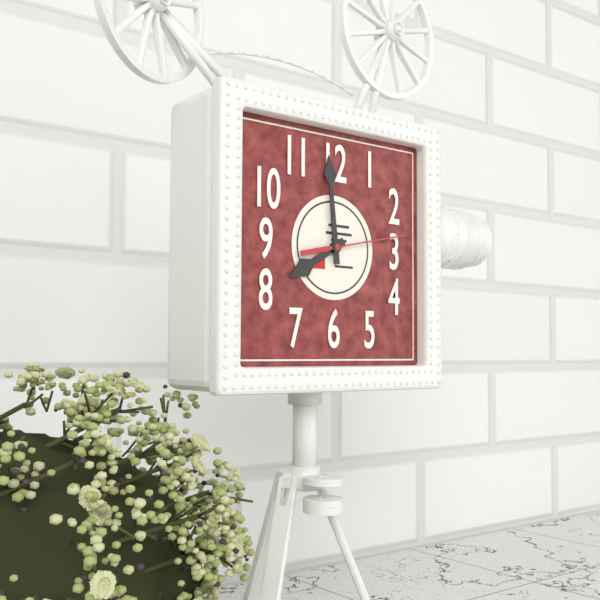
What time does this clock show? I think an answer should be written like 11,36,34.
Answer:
7,59,13
